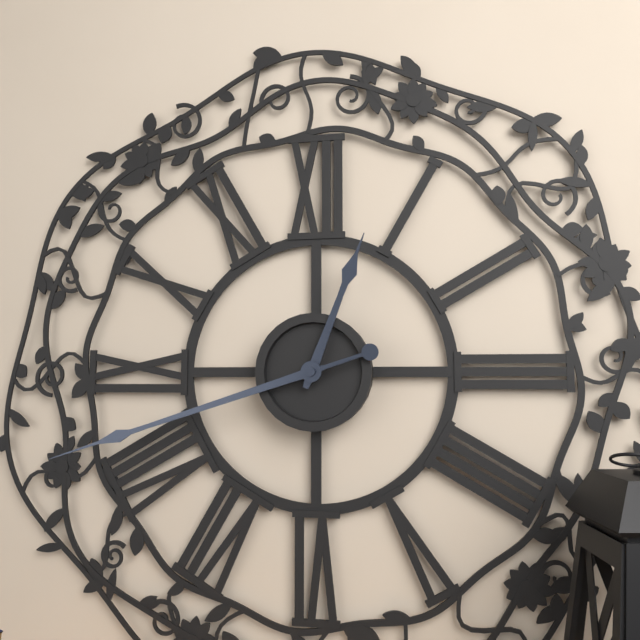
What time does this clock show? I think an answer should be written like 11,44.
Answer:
12,42
